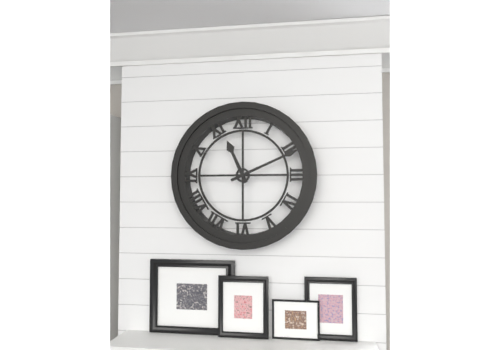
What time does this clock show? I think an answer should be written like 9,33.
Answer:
11,11
